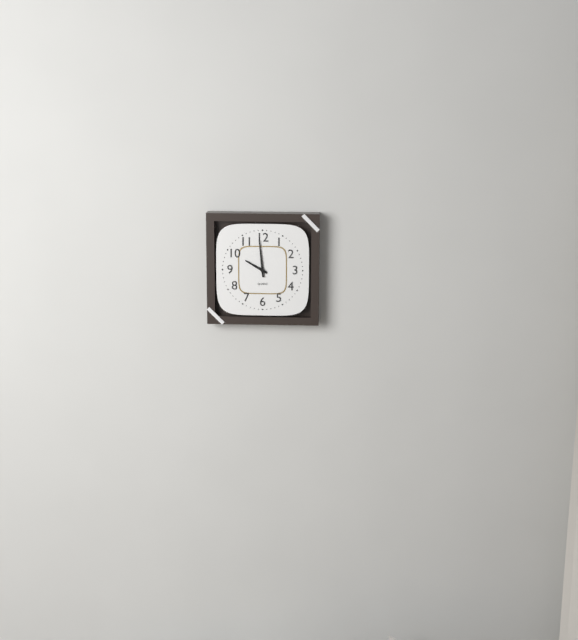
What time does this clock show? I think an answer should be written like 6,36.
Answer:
9,59
